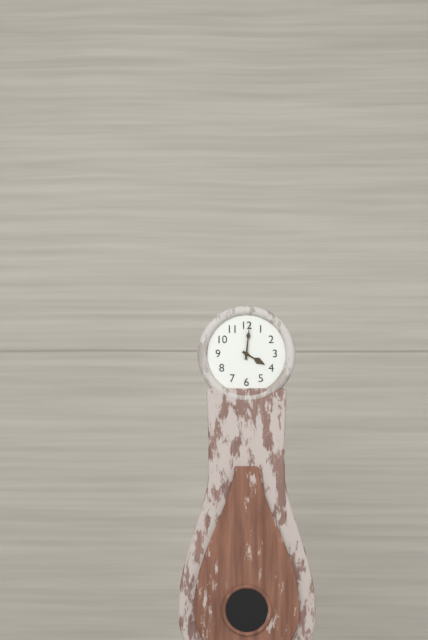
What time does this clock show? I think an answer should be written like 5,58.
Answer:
4,01
